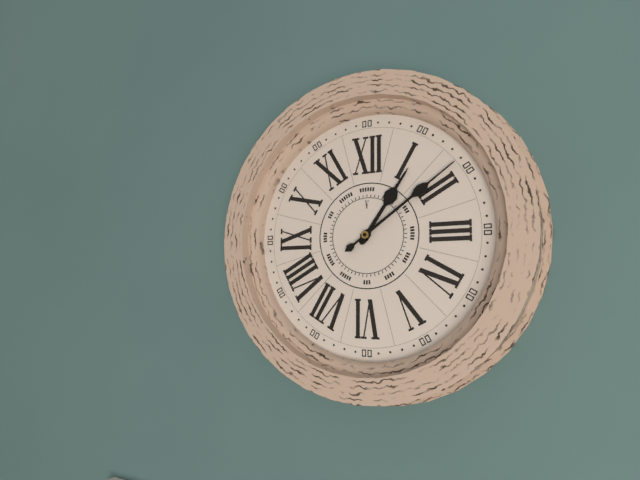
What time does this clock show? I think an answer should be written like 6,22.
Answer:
1,09
